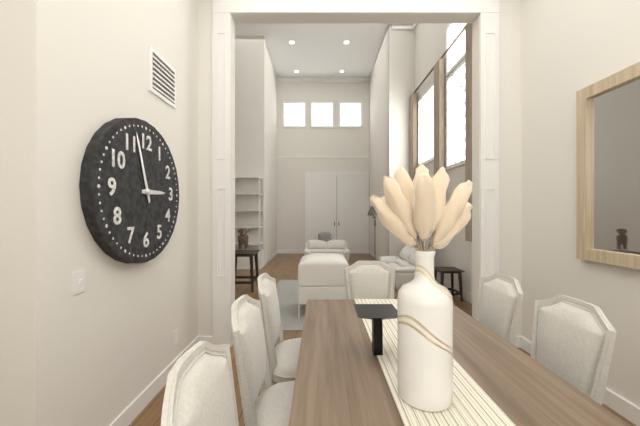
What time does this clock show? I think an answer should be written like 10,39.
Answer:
2,57
